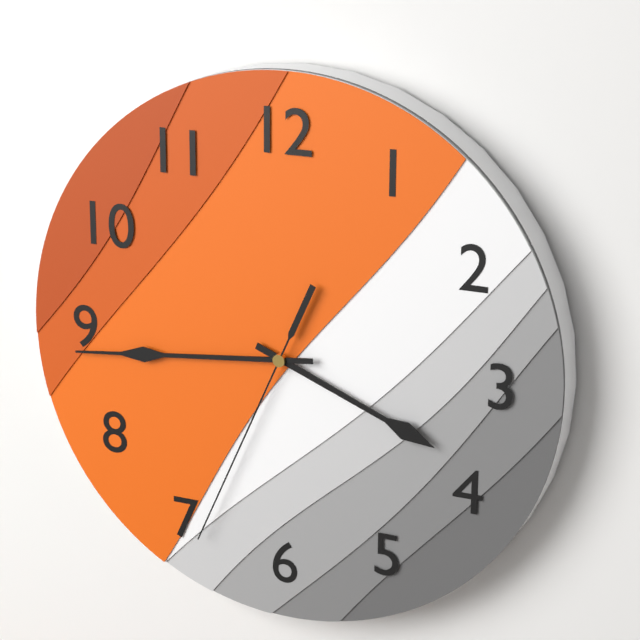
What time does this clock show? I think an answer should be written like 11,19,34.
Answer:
3,44,34
